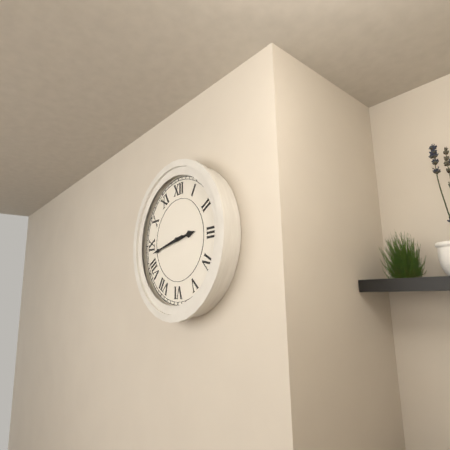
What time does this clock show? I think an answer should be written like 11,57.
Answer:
2,43
